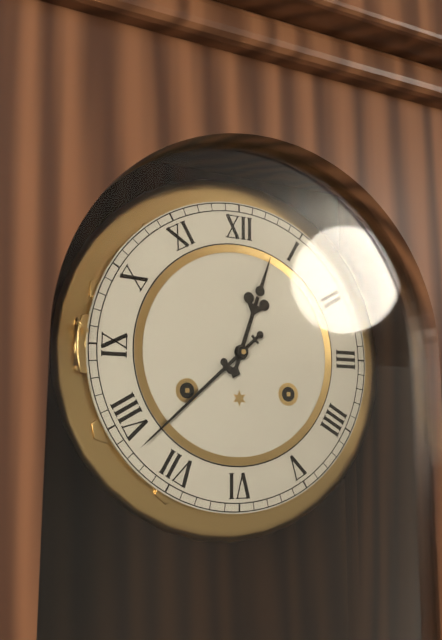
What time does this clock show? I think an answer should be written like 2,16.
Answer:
12,38
